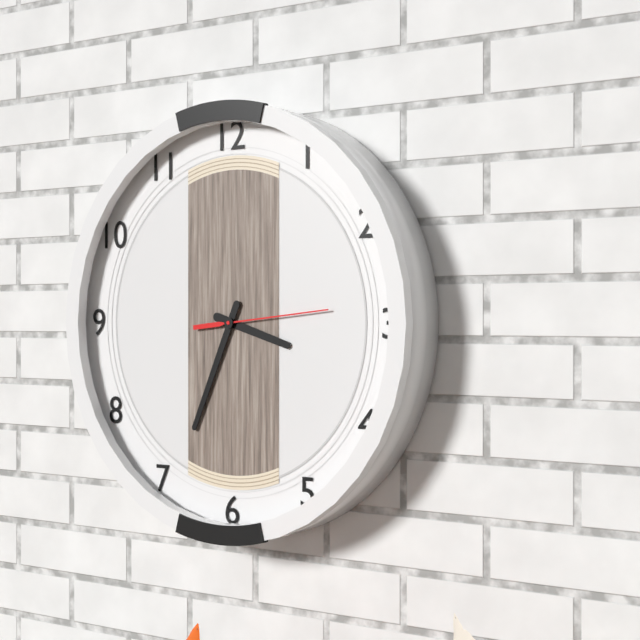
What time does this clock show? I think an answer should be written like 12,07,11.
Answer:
3,34,14
